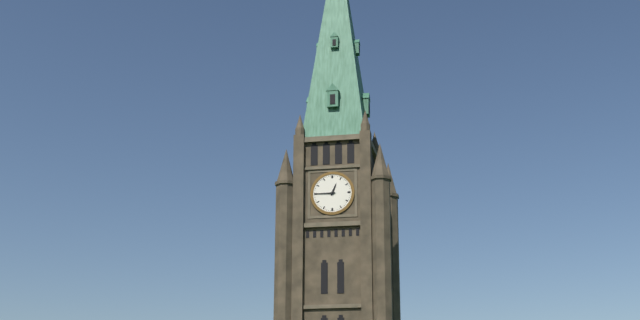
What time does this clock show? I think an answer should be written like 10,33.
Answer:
12,45
